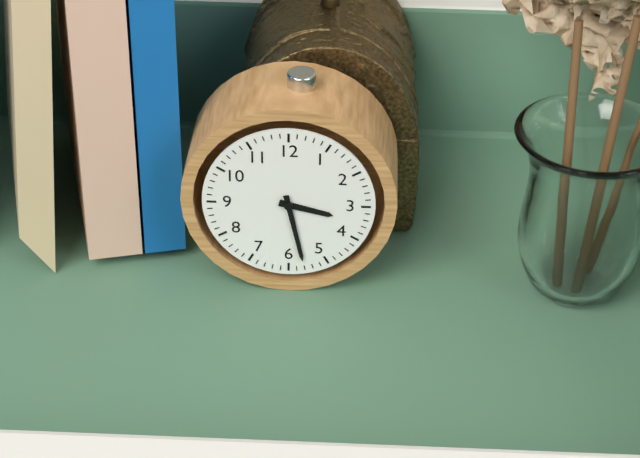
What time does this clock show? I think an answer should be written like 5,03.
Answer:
3,28
